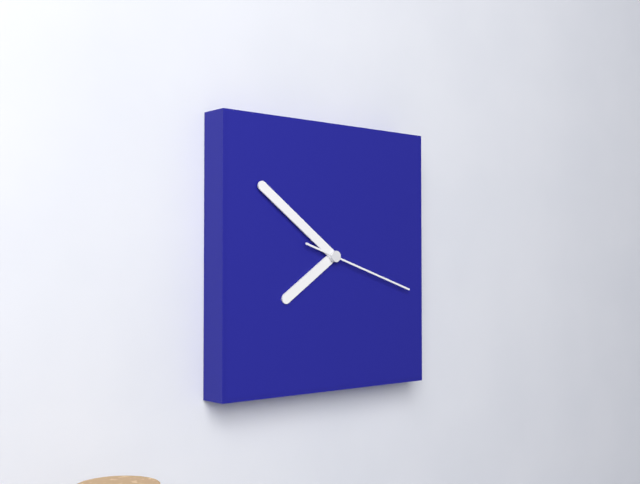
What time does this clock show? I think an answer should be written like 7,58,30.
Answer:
7,51,18
